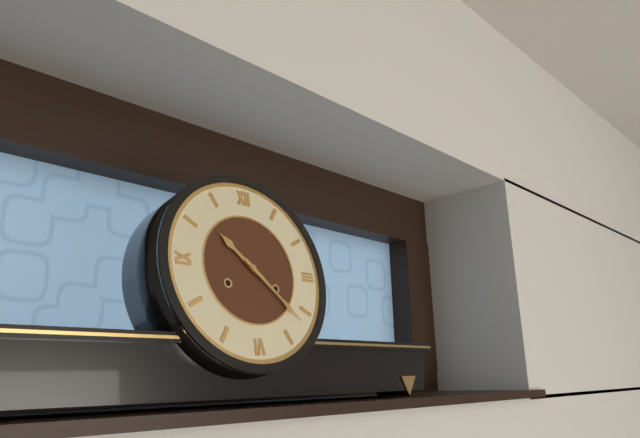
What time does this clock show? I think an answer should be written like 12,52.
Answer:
10,22
